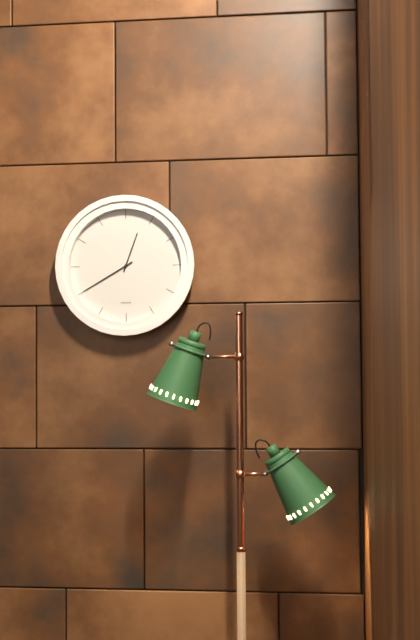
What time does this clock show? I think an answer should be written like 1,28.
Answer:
12,40
